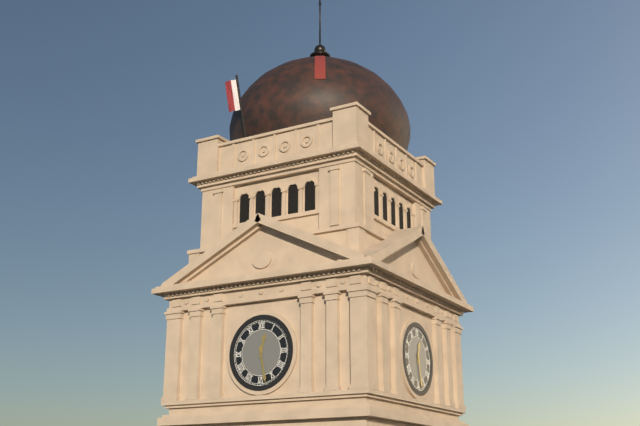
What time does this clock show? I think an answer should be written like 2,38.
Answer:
12,28
